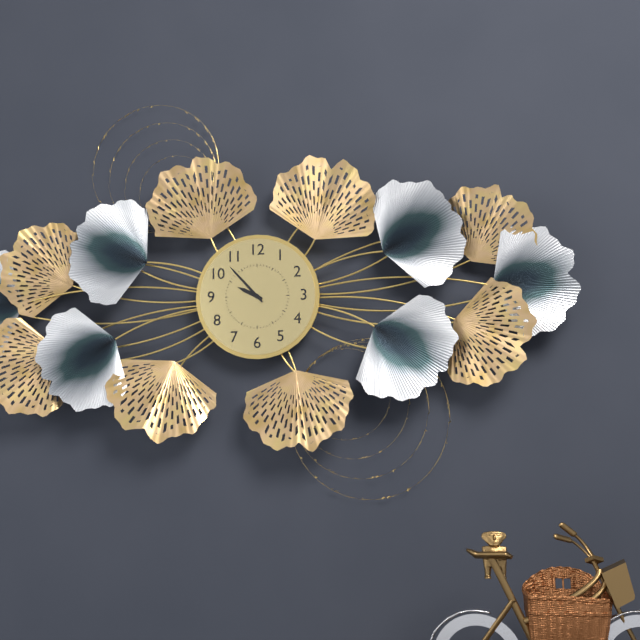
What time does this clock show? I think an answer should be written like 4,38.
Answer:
9,53
